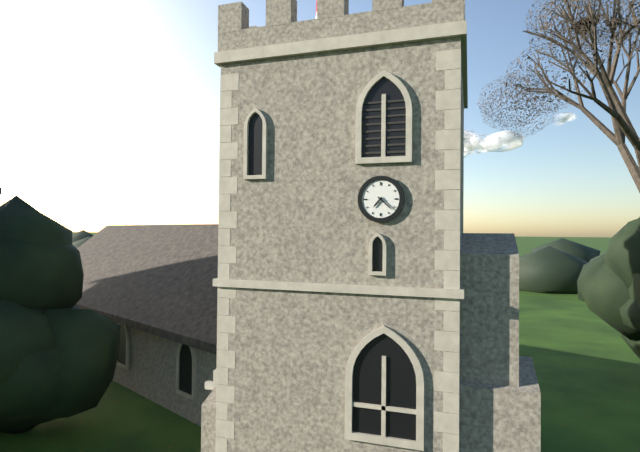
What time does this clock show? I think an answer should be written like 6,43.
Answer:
7,22
